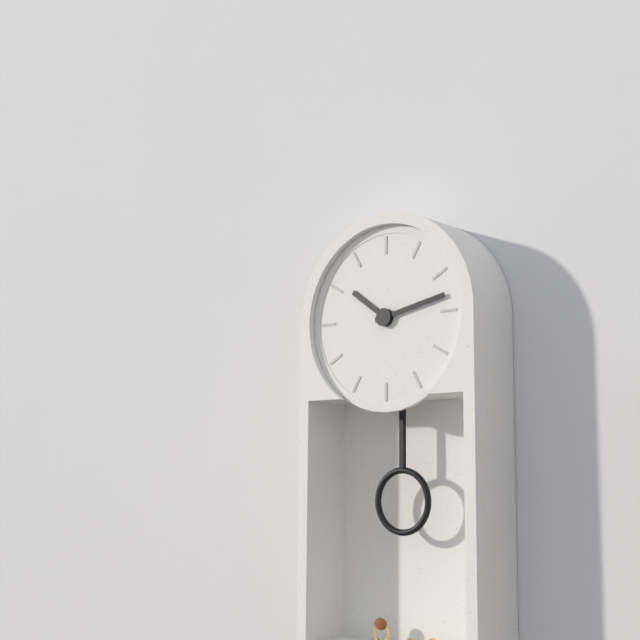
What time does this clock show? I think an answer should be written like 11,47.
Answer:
10,13
